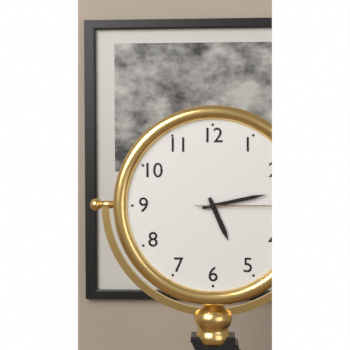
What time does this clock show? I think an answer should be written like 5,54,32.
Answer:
5,13,15
